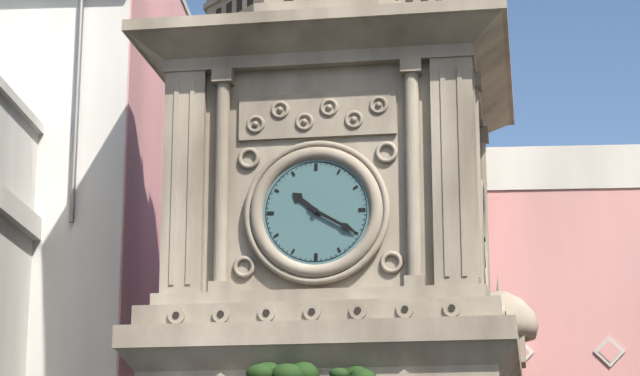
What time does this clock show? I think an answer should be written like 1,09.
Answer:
10,20
